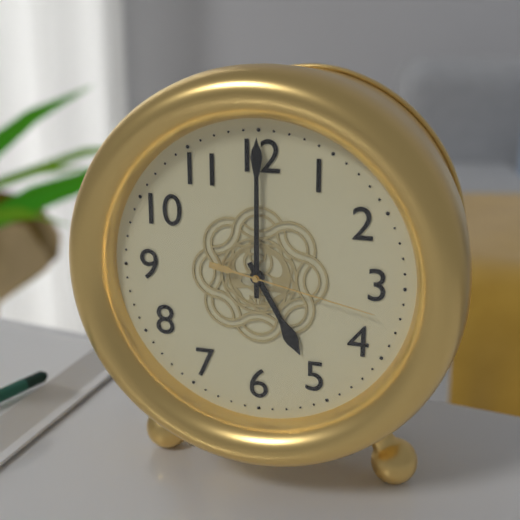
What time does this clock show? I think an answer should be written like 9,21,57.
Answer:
5,00,17
